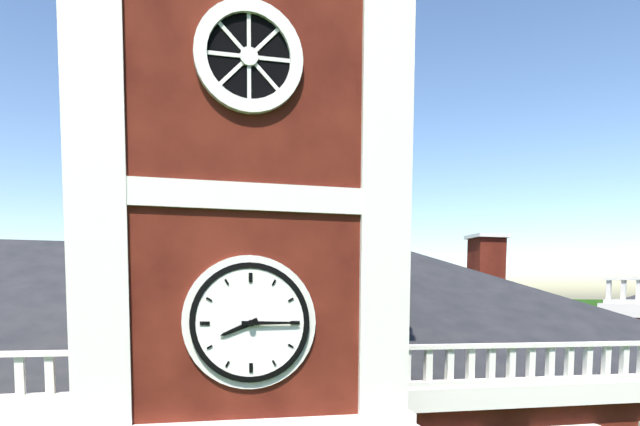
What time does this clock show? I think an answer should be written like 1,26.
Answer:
8,15
